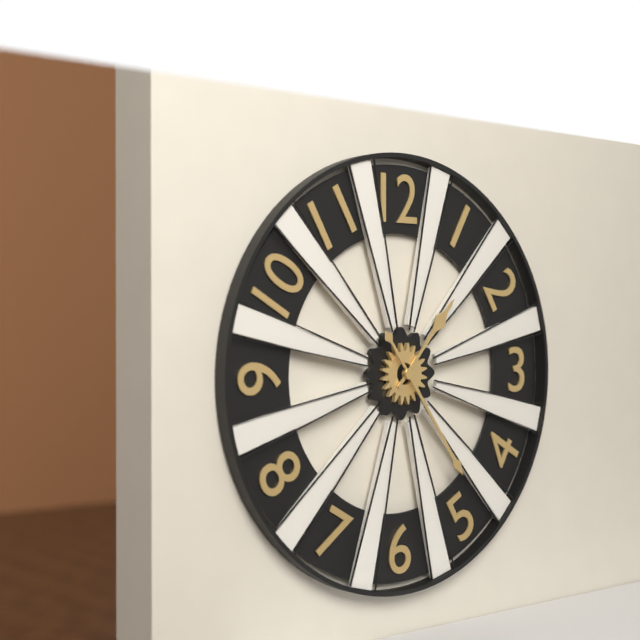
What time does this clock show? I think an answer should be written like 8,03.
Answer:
1,24
